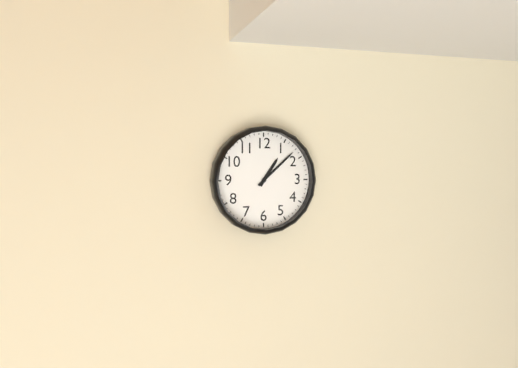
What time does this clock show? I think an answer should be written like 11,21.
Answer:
1,08
